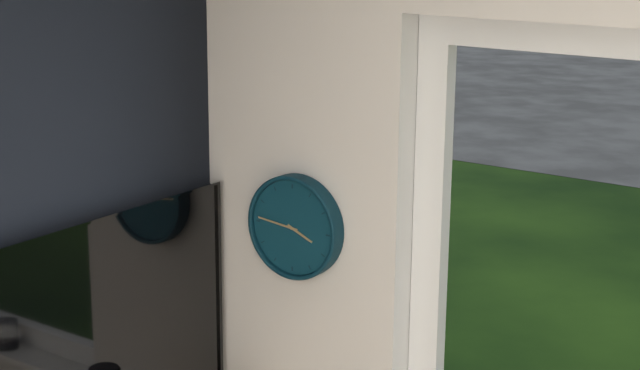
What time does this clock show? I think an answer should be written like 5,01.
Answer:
3,46
